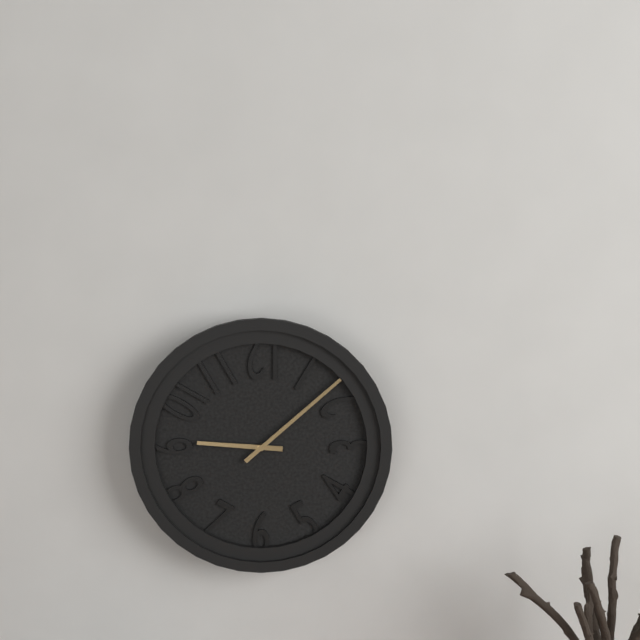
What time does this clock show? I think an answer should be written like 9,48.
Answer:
9,08
